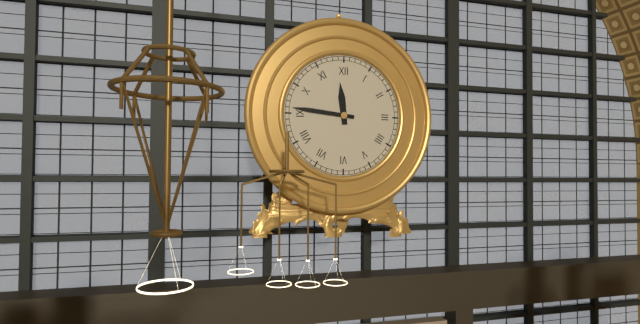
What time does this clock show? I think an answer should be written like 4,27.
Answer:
11,46
